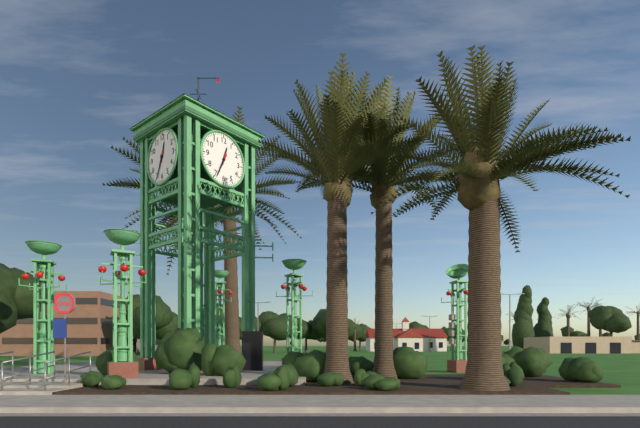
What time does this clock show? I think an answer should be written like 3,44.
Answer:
12,34
